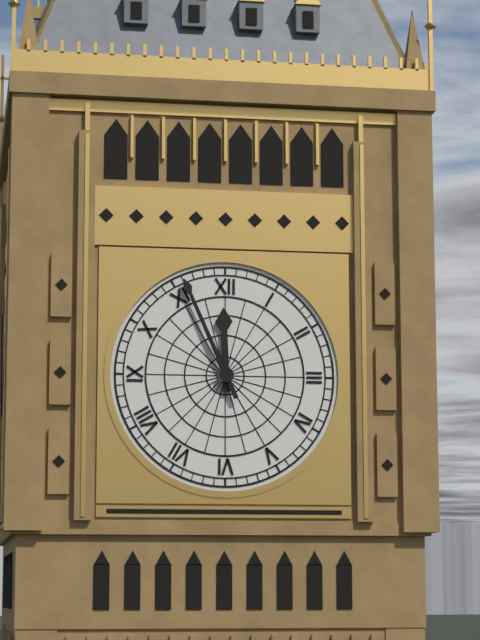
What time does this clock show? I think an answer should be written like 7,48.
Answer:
11,56
